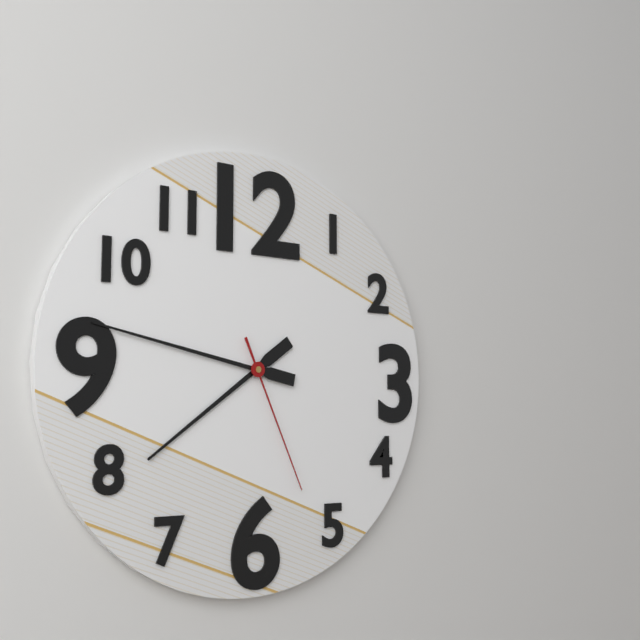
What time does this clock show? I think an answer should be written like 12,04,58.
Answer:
7,47,26
